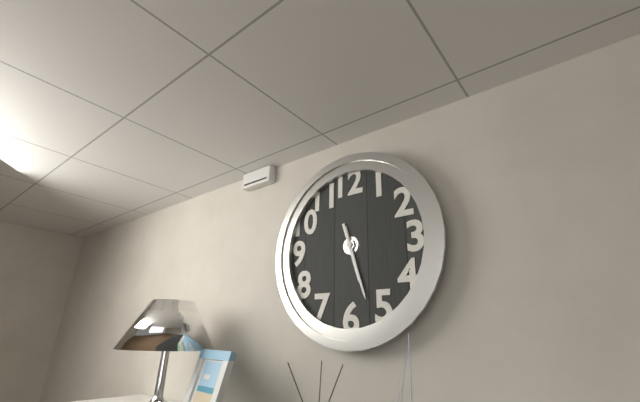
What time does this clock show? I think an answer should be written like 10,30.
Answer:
5,27
